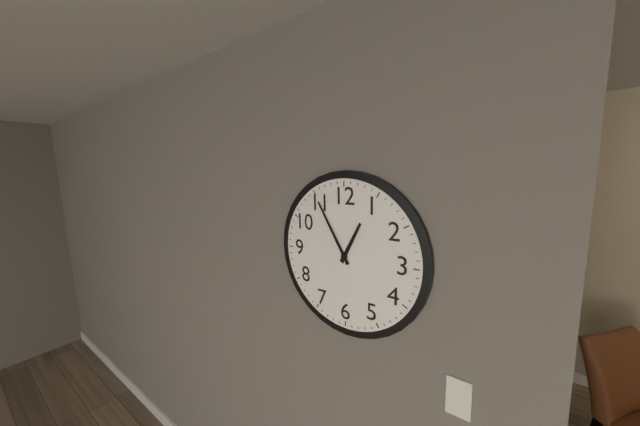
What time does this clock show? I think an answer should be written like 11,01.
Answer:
12,55
